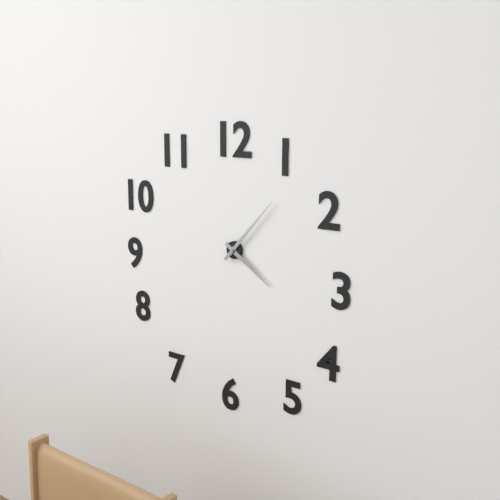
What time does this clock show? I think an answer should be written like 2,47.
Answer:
4,07
